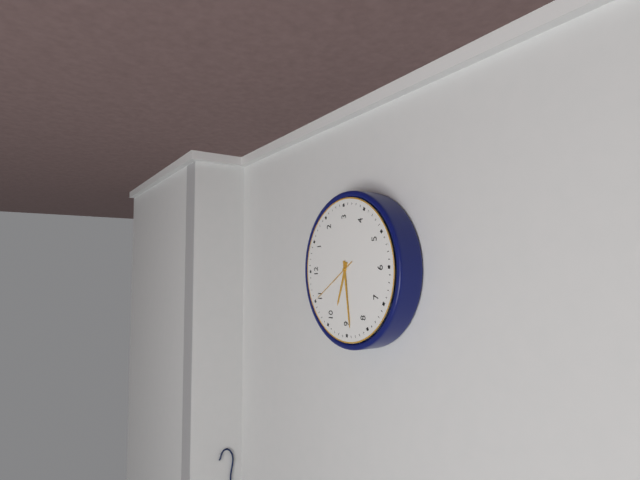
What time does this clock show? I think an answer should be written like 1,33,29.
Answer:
9,44,55
